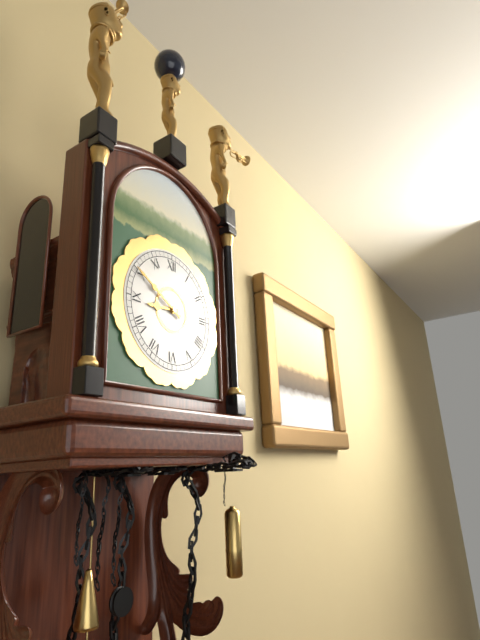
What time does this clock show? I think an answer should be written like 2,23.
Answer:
8,50
